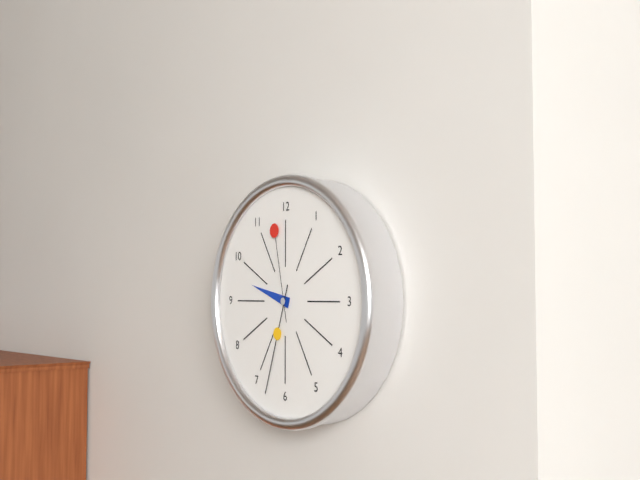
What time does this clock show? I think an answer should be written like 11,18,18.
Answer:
9,33,58
